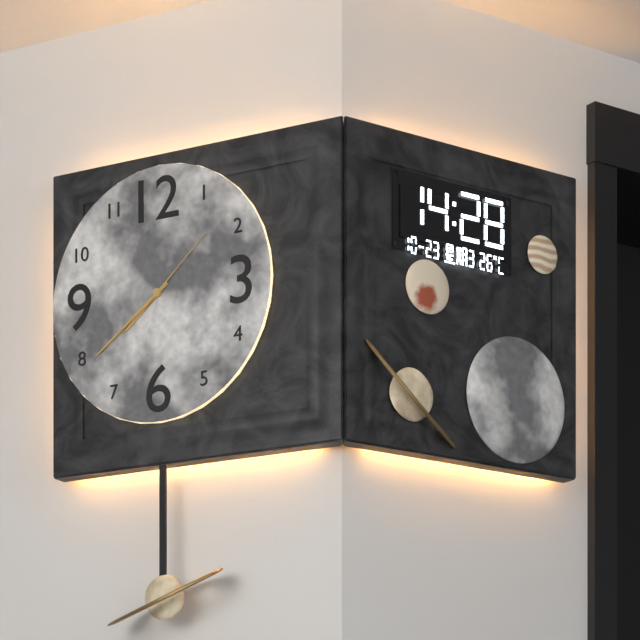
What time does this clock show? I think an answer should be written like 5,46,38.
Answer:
7,39,08
